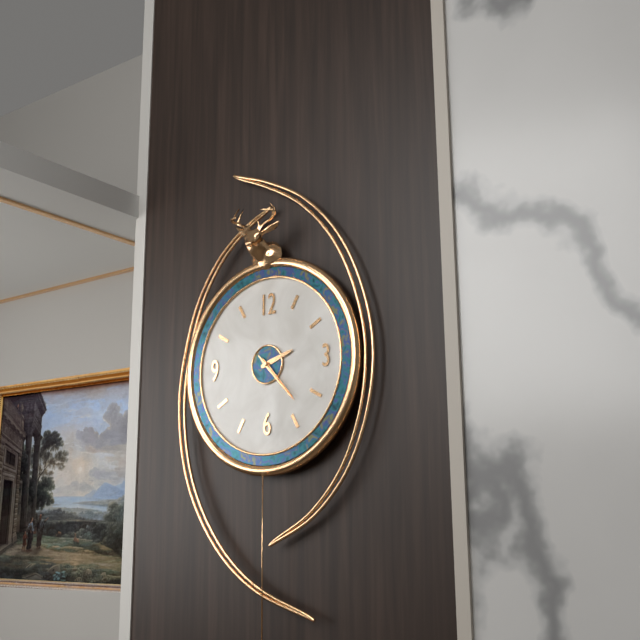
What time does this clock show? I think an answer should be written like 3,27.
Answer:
2,23
